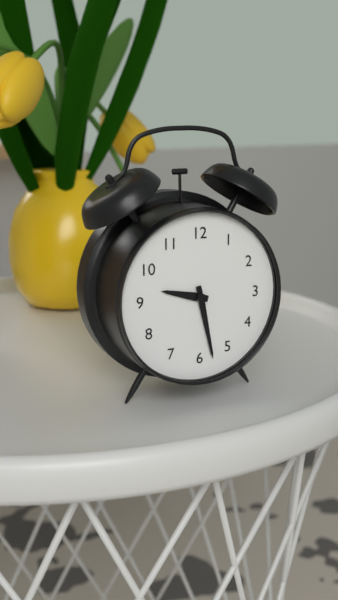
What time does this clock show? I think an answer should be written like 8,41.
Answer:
9,28
